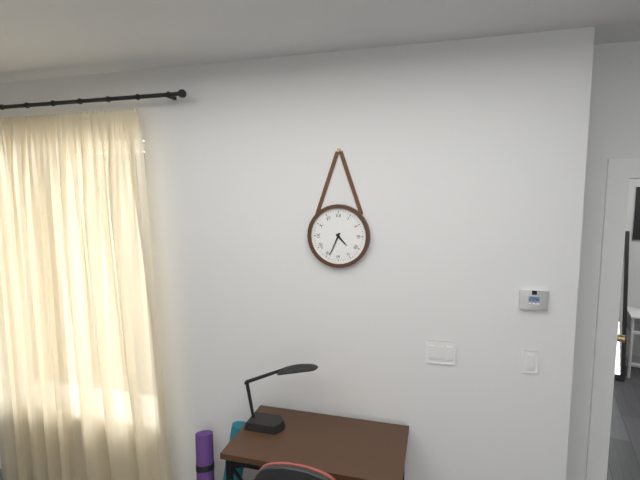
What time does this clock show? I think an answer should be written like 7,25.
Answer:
4,34
